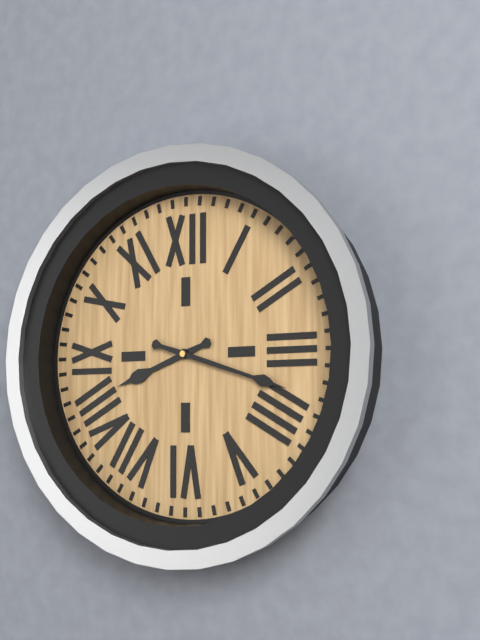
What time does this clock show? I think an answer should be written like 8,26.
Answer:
8,18
